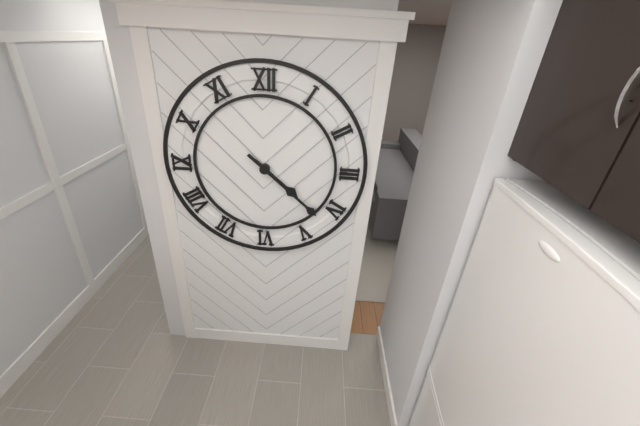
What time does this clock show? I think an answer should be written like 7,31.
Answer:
4,22
